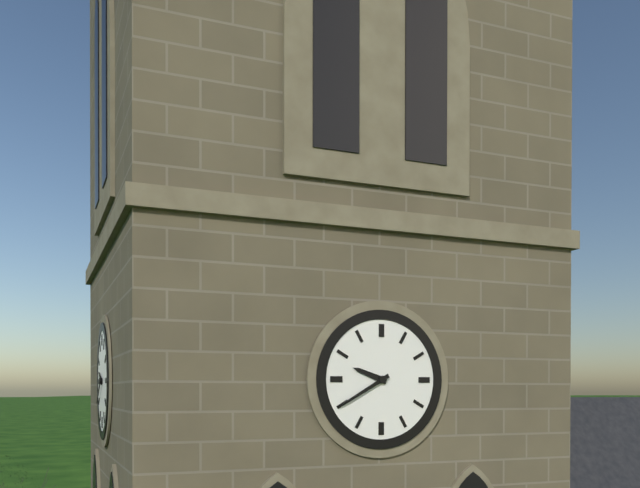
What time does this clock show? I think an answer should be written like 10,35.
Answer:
9,40
